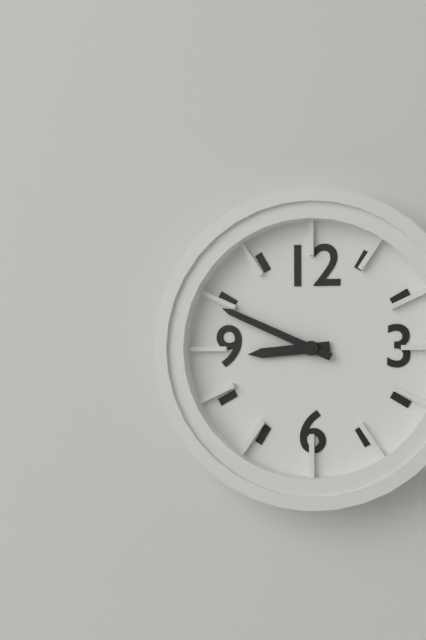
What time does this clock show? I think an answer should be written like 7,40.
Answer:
8,49
